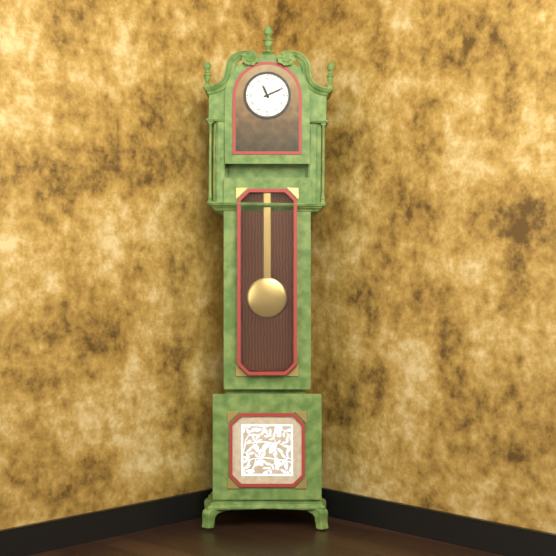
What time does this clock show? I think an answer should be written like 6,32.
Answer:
11,11
